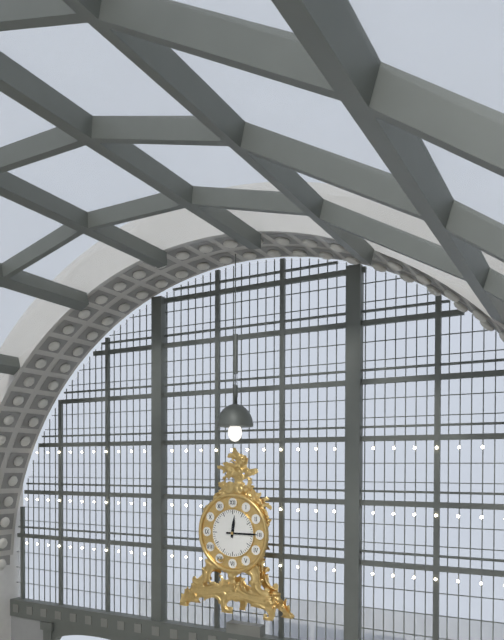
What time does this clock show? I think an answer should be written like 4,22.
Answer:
12,15
